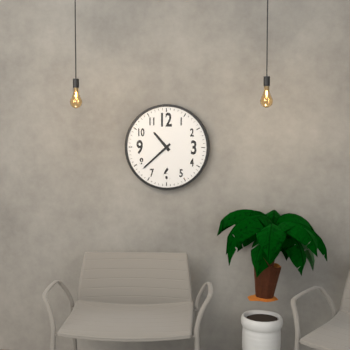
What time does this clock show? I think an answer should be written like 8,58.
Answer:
10,38
